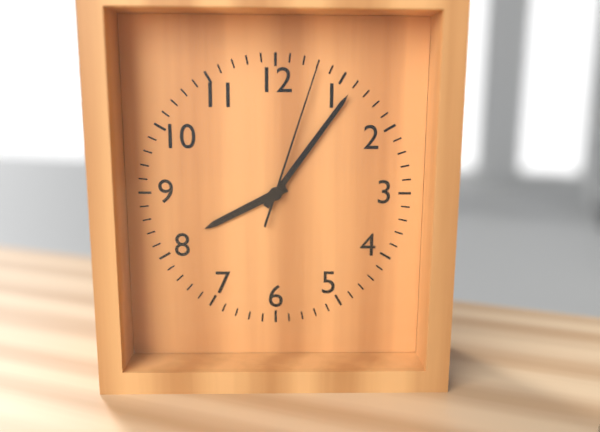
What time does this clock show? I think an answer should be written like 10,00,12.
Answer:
8,06,03
